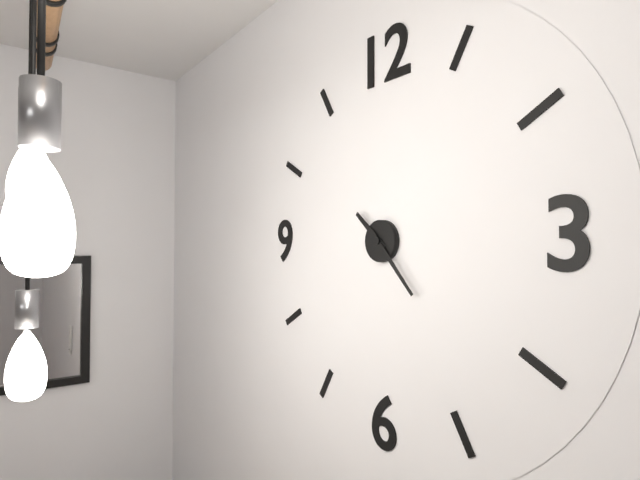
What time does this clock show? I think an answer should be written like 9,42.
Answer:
10,23
